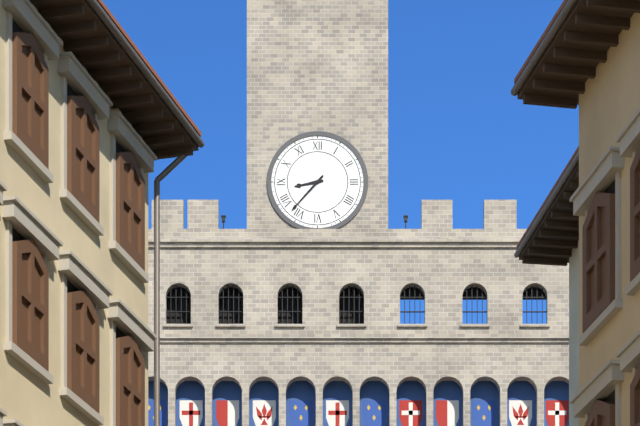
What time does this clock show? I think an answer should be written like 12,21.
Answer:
8,37
